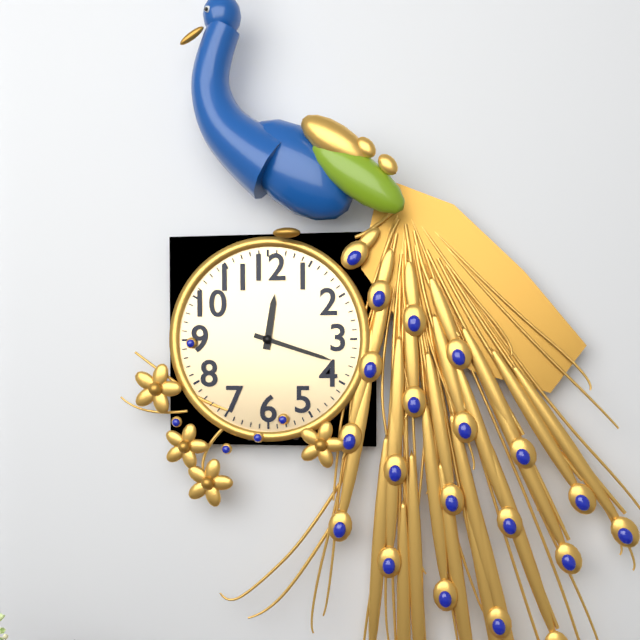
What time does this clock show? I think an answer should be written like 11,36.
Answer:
12,18
